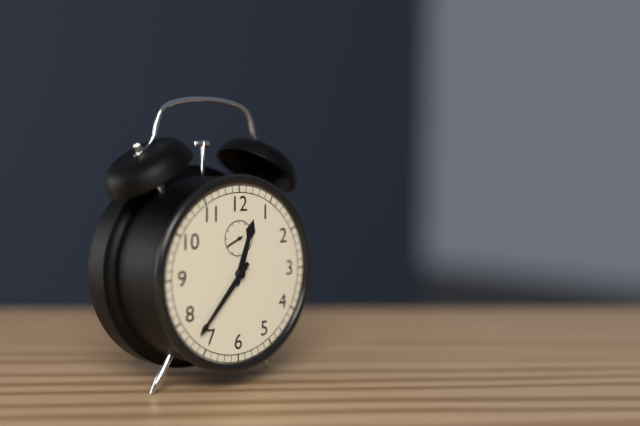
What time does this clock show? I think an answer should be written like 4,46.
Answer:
12,37
